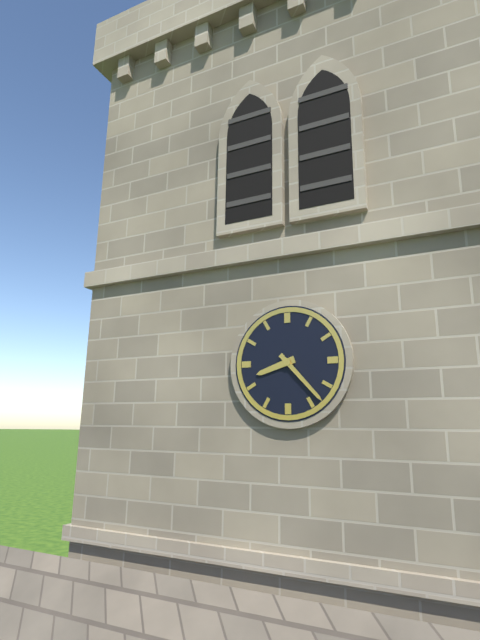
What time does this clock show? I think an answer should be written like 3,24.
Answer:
8,23
